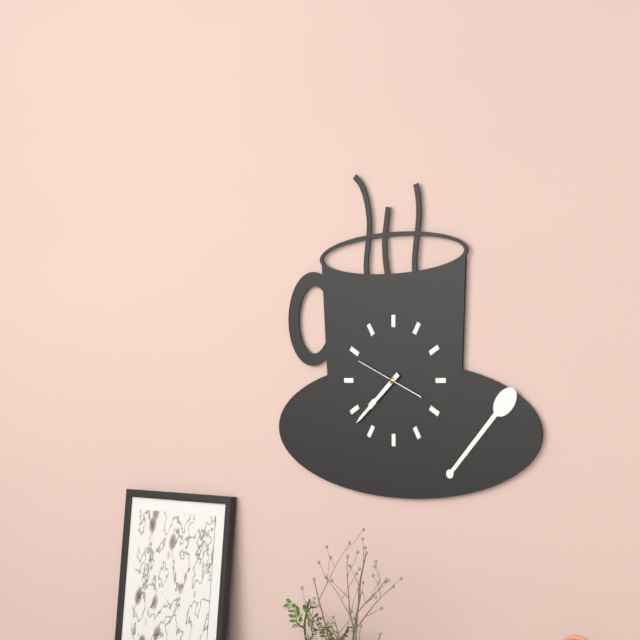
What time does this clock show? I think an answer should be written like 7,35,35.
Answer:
7,38,49
